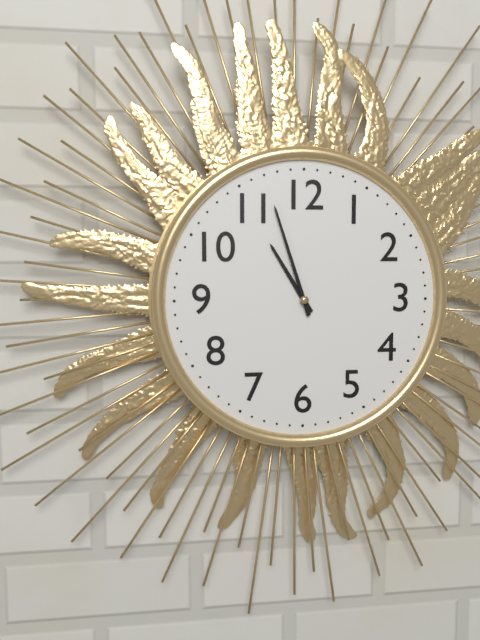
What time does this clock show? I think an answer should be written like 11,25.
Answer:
10,57
